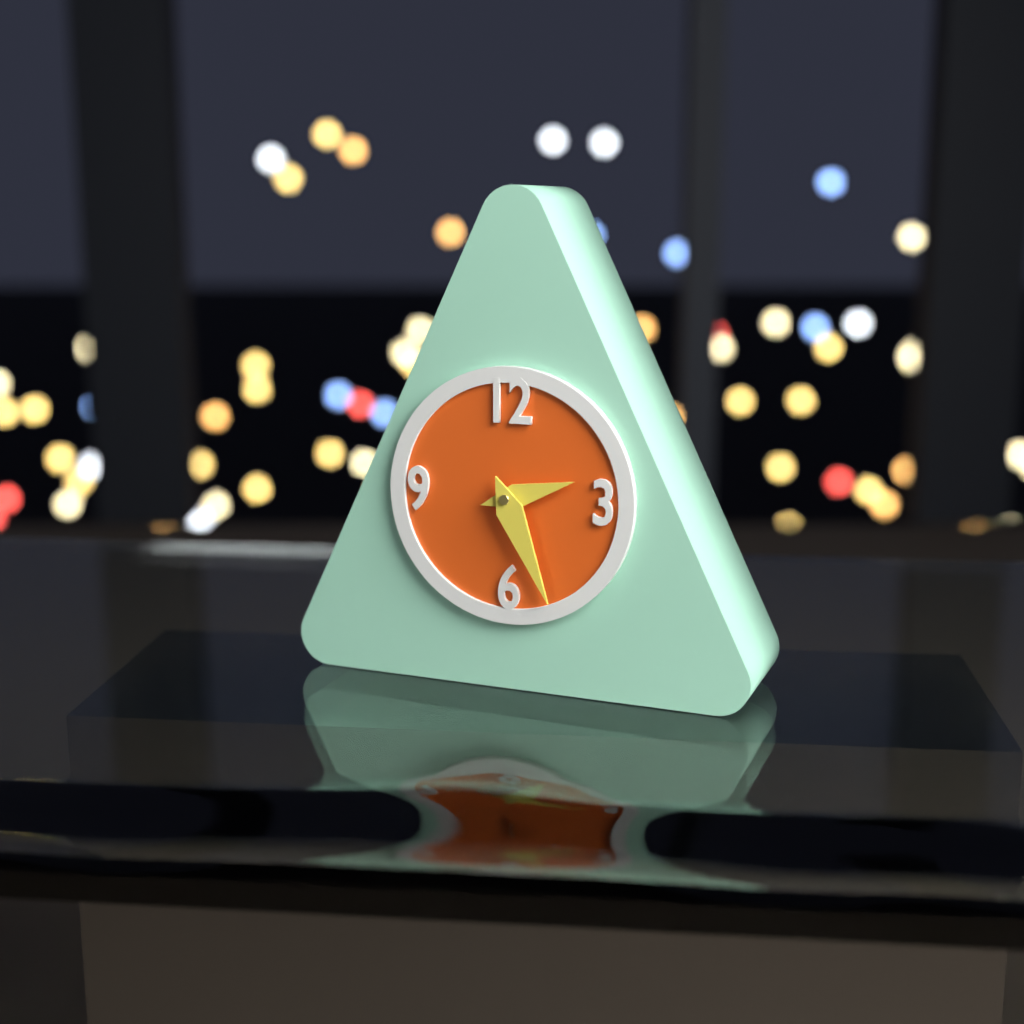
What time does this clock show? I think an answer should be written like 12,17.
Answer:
2,26
